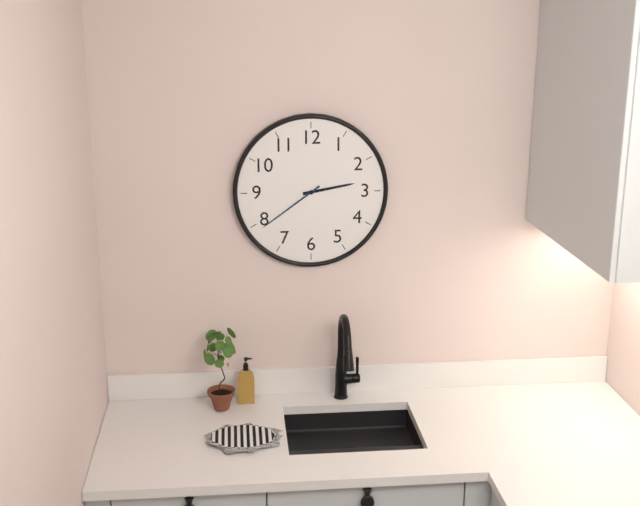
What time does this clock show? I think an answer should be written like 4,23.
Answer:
2,39
